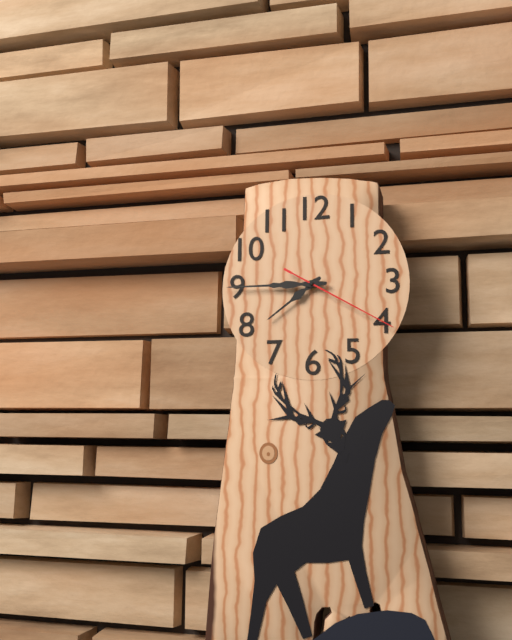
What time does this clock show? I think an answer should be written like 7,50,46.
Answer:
7,45,20
